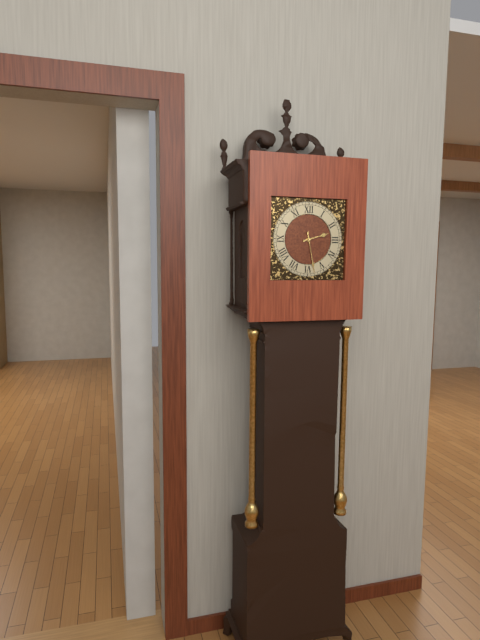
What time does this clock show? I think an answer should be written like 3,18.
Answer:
2,28
